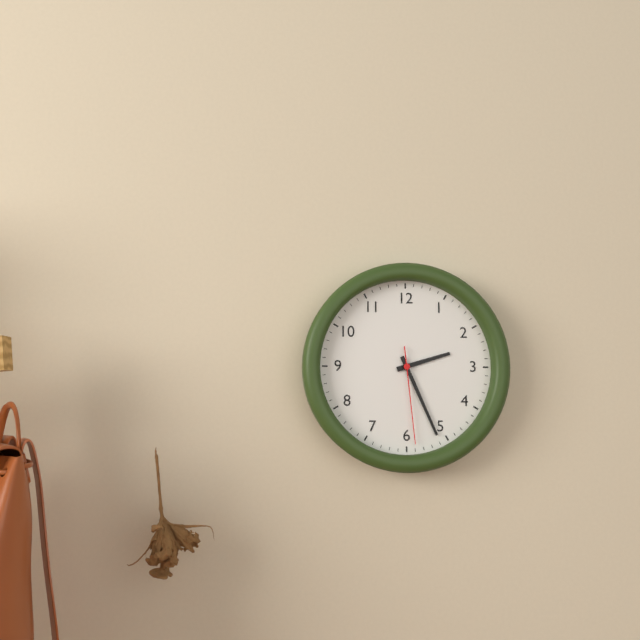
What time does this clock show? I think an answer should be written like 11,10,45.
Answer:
2,26,29
